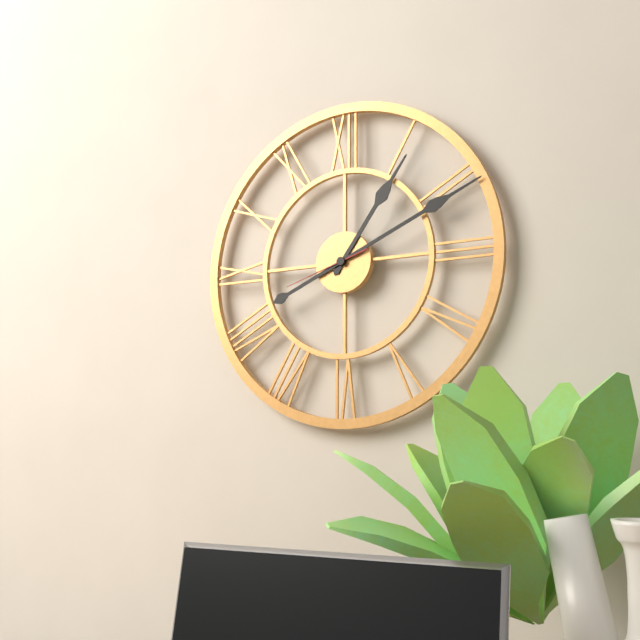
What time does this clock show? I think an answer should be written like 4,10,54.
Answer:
1,11,42
